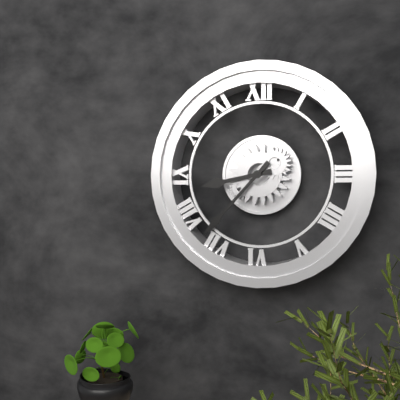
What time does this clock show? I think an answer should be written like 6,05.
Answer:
8,37
